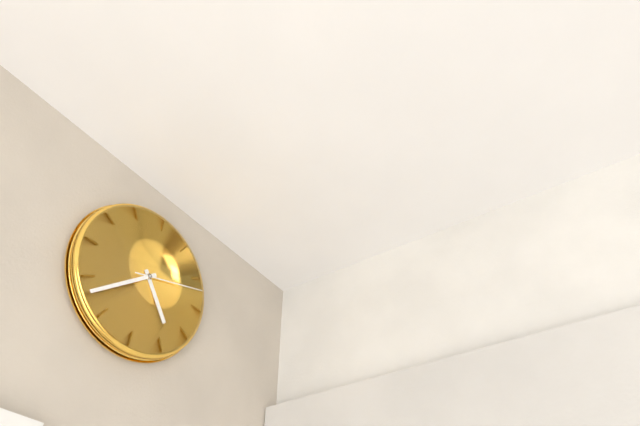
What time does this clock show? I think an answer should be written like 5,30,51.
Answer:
4,38,12
